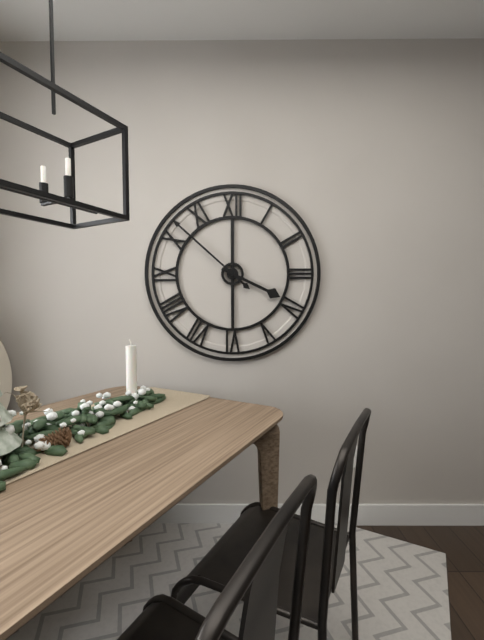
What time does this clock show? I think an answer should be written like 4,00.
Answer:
3,52
